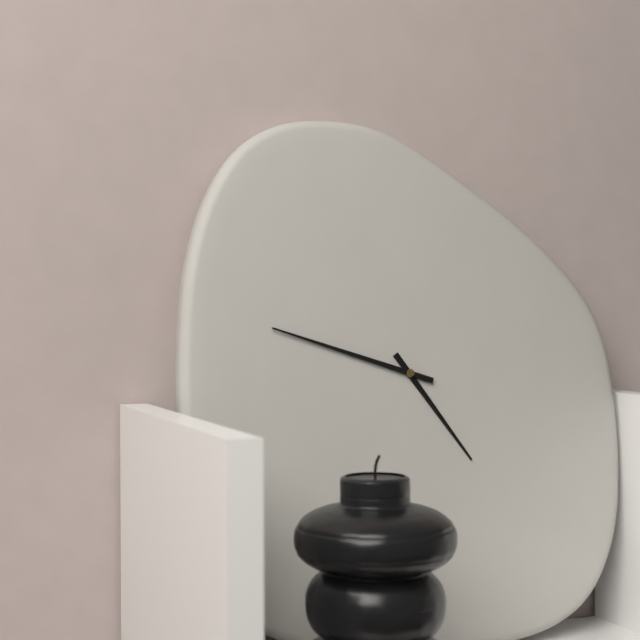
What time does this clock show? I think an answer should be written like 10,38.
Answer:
4,48
